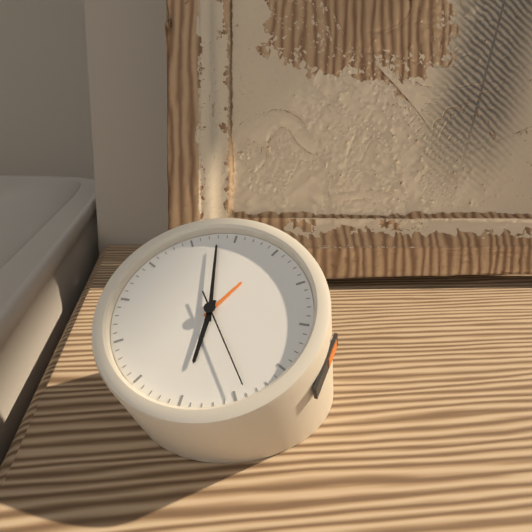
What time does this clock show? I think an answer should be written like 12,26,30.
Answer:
5,58,24
